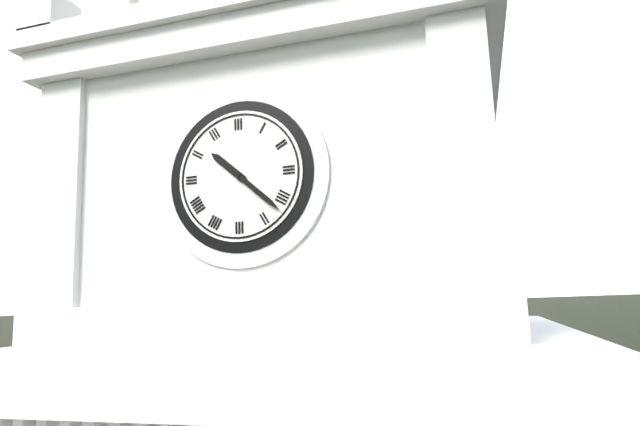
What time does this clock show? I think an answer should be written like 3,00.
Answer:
10,22
